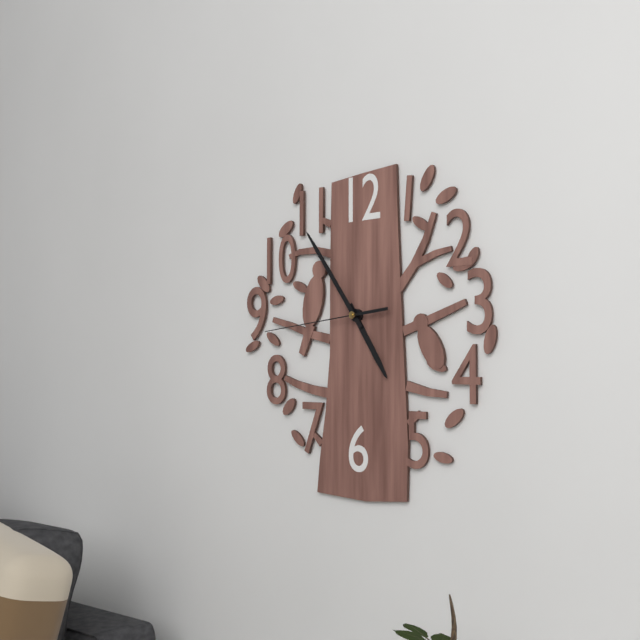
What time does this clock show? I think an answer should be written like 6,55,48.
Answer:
4,54,44
